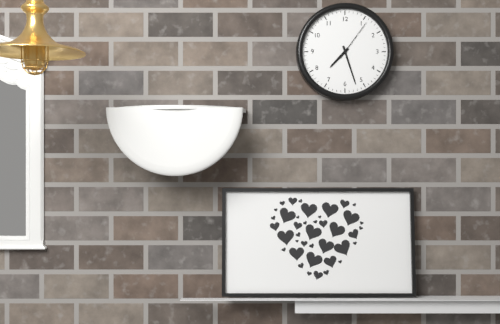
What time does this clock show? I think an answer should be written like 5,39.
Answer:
7,27
